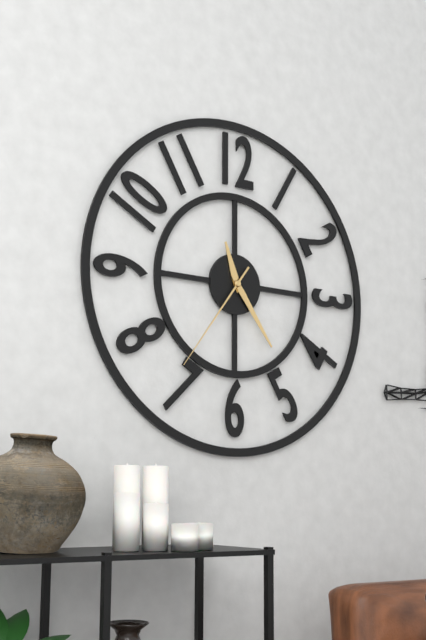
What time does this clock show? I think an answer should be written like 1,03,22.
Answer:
11,24,36
